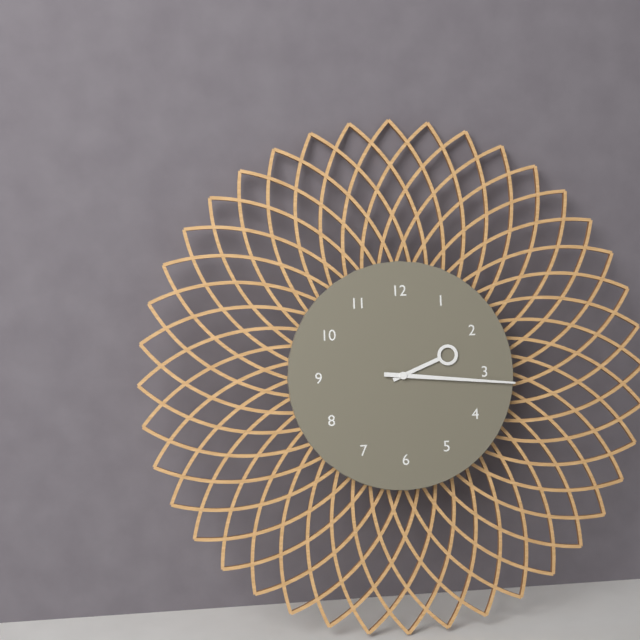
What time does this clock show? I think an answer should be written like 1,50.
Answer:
2,16
